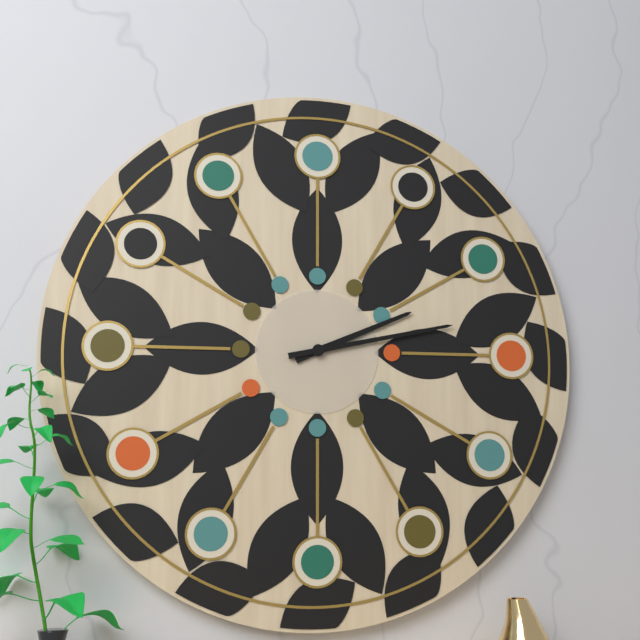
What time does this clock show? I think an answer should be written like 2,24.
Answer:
2,13
